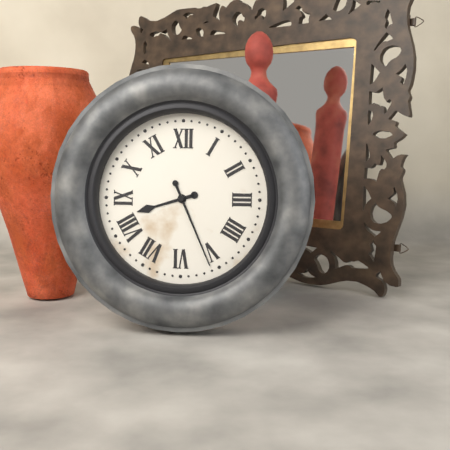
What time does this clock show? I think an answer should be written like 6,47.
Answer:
8,26
